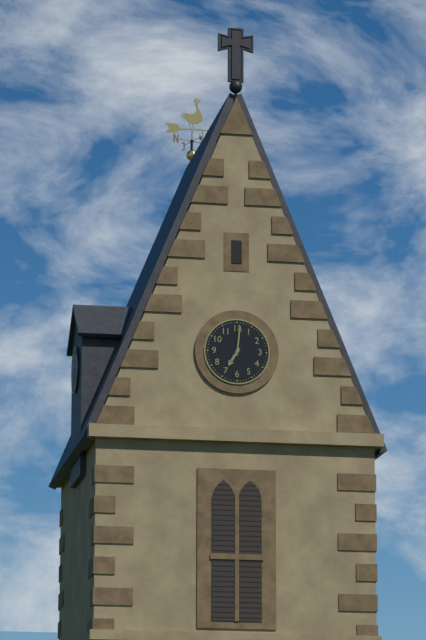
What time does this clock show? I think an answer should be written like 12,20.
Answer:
7,01
